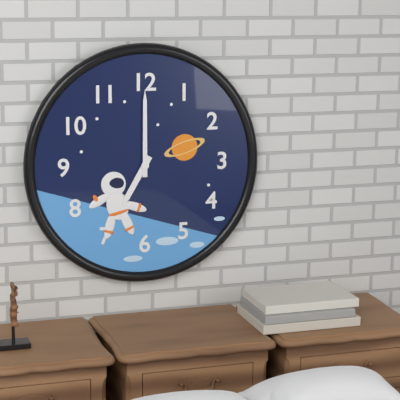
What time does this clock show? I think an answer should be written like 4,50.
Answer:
7,00
